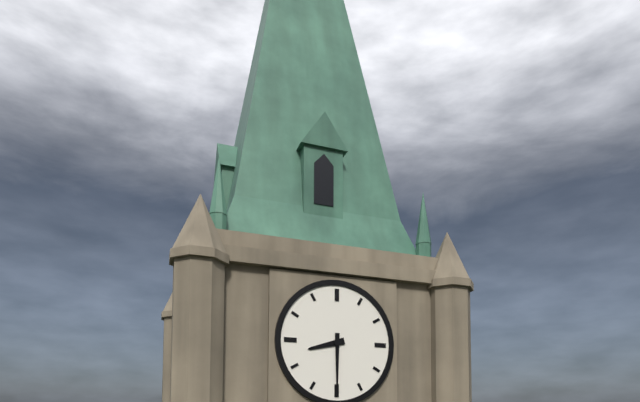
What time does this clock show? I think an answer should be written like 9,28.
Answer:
8,30
